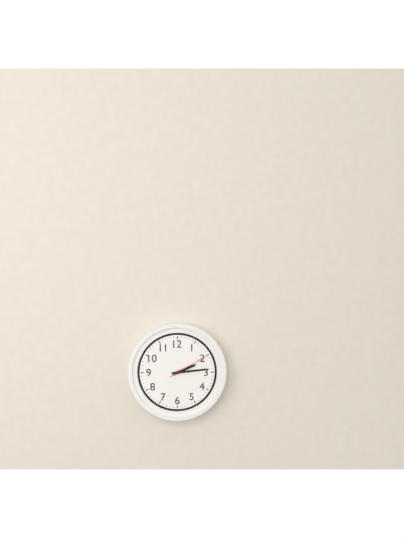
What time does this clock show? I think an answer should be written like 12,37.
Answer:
2,14
